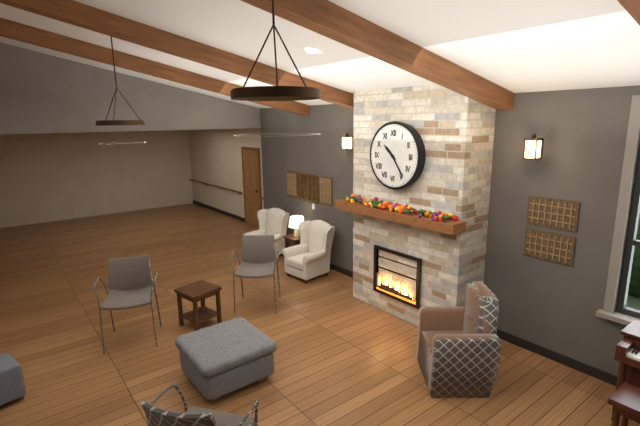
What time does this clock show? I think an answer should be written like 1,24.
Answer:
10,24
